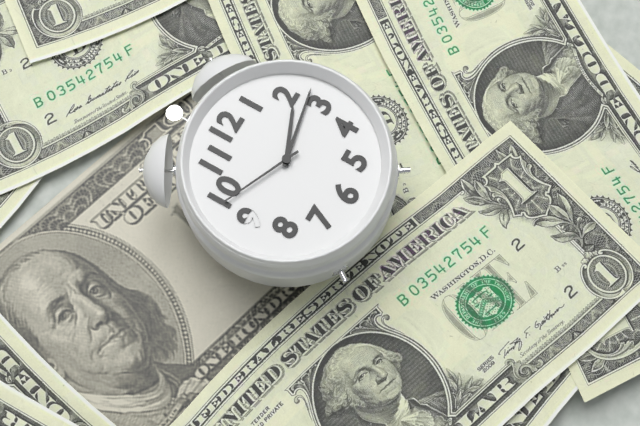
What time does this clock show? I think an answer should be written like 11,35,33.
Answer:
2,13,49
